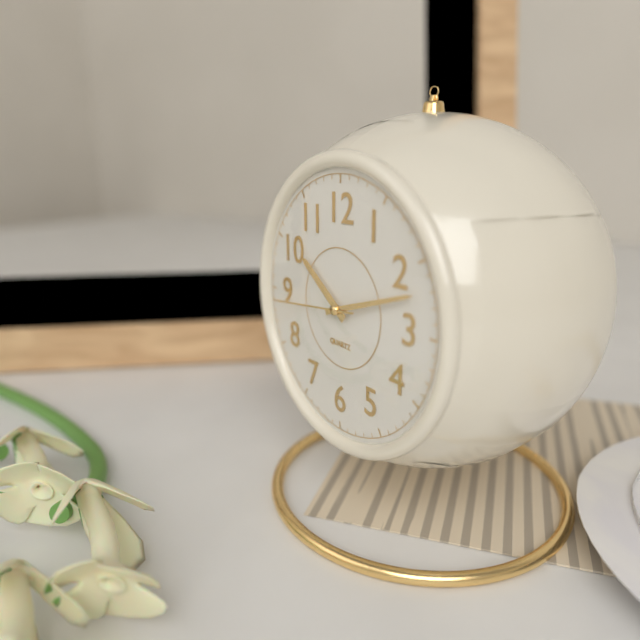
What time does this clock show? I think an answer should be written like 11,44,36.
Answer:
10,12,44
